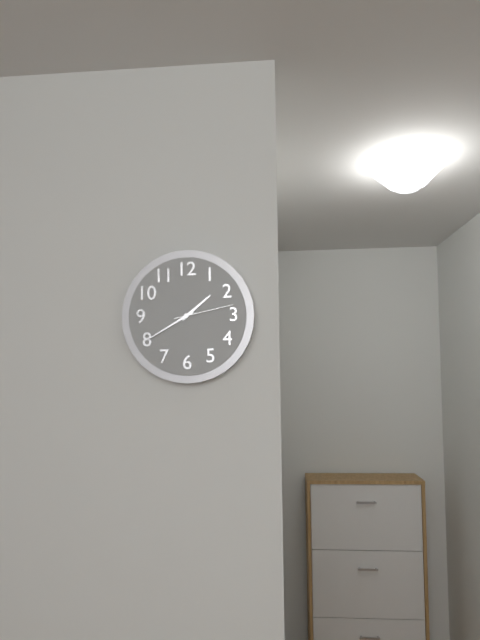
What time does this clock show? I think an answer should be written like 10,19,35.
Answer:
1,40,13
